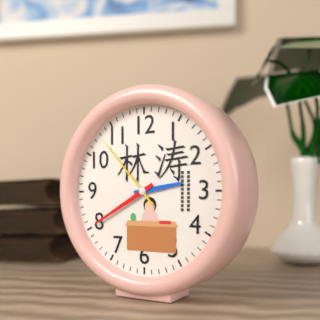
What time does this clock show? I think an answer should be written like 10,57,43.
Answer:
2,40,53
